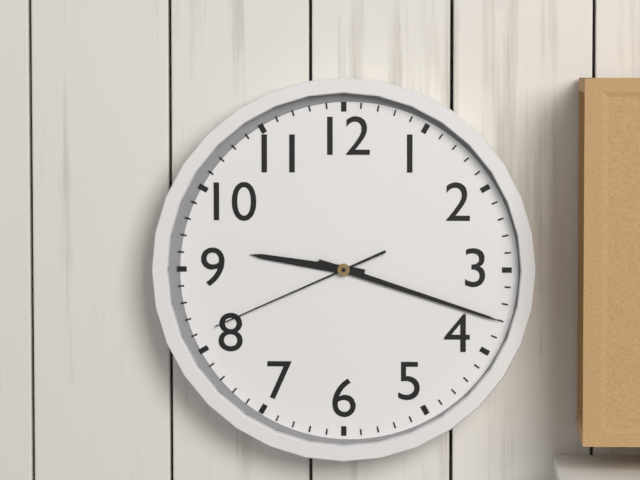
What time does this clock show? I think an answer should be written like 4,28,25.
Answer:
9,18,41
